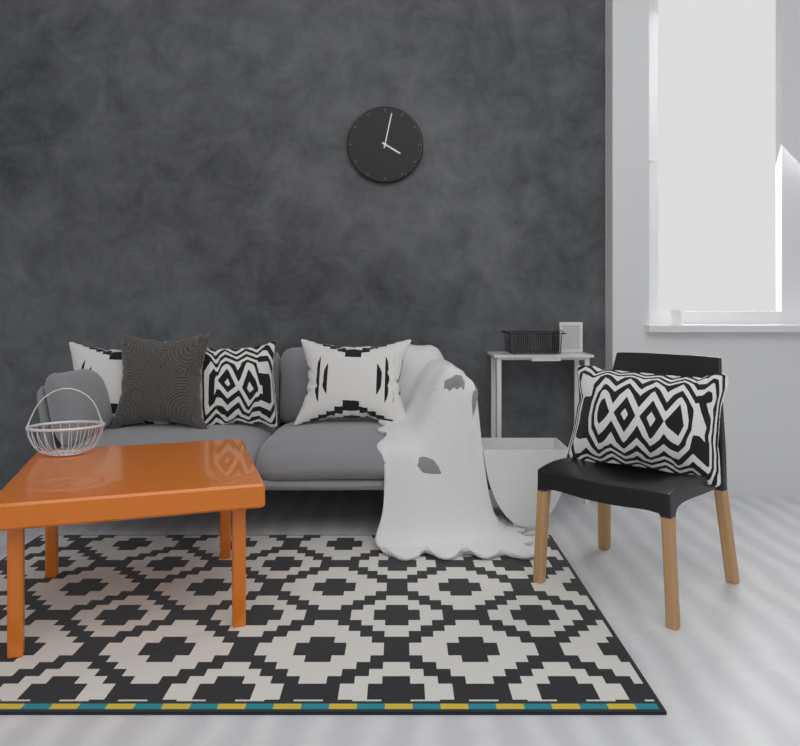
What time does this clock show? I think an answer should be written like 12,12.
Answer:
4,02
